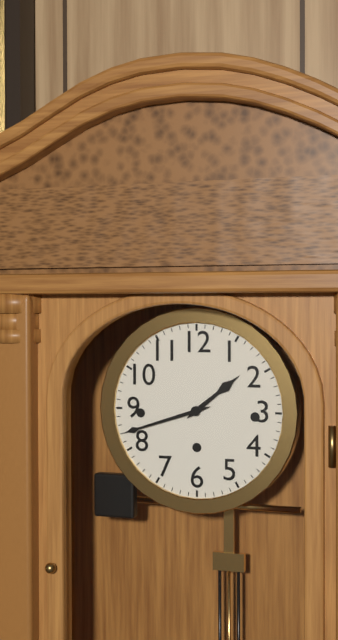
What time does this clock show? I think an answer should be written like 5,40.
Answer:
1,42
